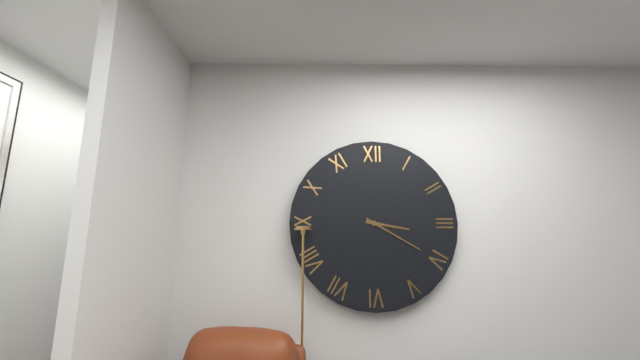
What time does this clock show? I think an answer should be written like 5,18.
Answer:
3,20
